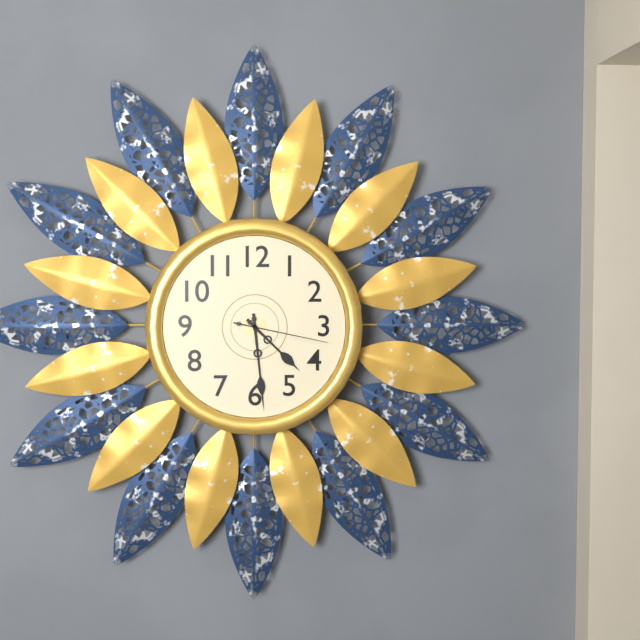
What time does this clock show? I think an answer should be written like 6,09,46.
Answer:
4,29,17
